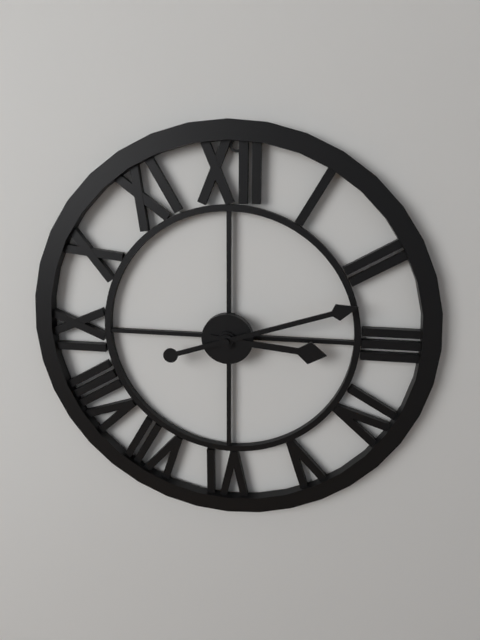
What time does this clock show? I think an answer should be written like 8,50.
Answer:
3,12
